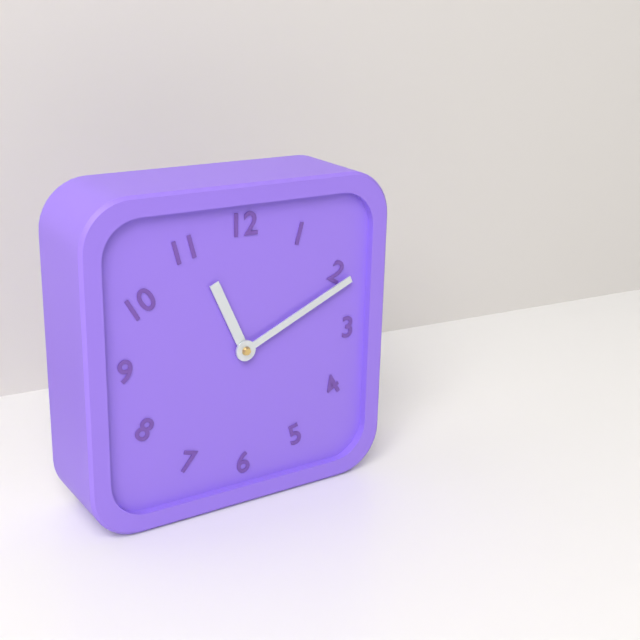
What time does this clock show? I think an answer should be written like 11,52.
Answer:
11,11
